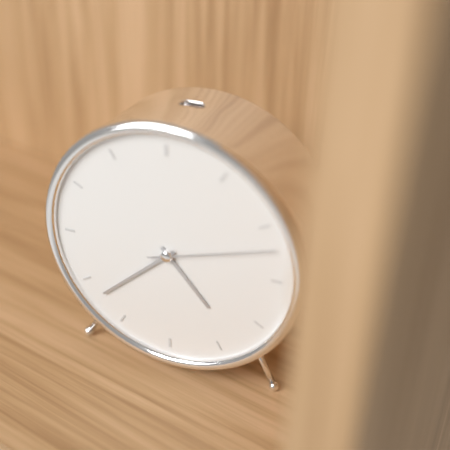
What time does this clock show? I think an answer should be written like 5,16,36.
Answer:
4,38,12
